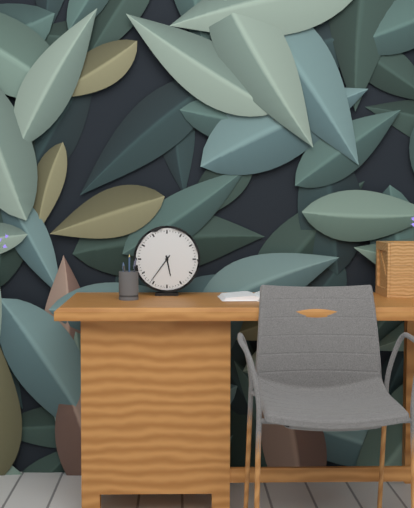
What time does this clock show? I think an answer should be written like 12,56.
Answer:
5,36
